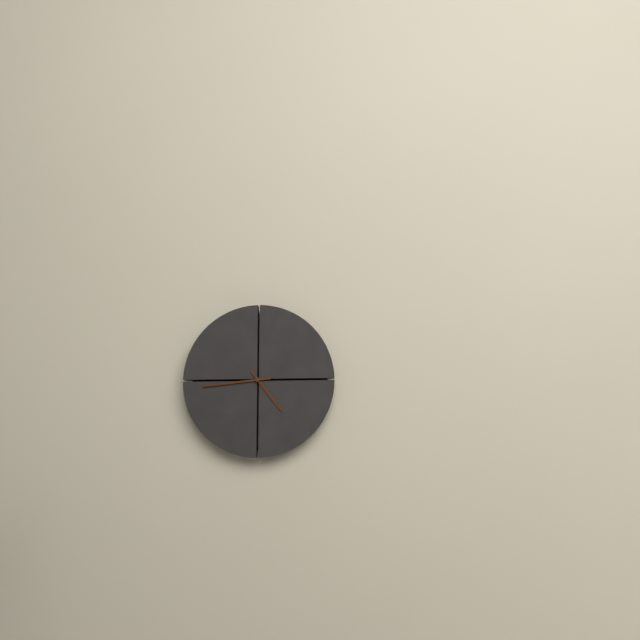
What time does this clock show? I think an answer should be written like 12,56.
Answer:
4,44
